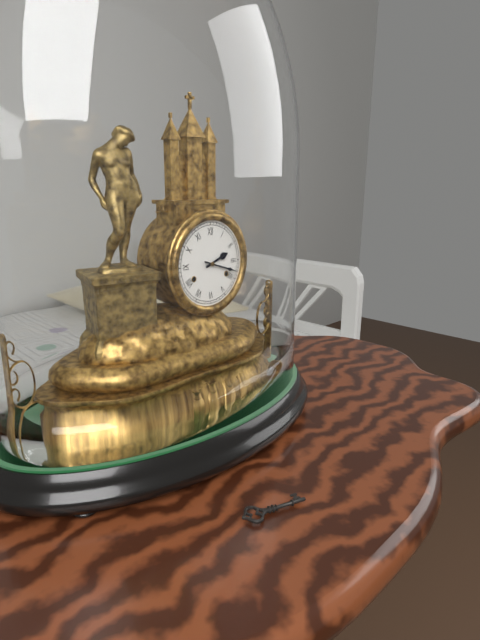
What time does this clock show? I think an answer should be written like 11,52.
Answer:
2,18
